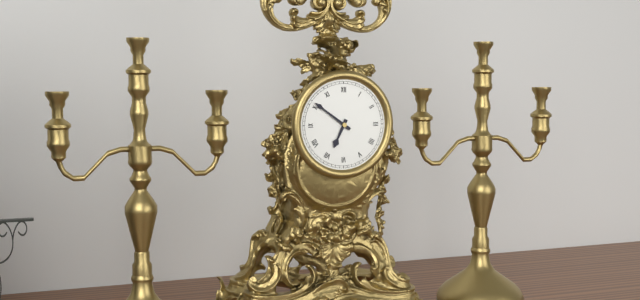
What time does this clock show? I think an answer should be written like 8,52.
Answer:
6,51
